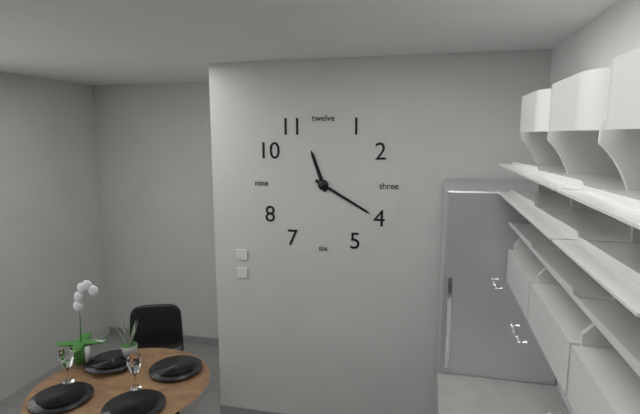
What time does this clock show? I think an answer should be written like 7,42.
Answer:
11,20
